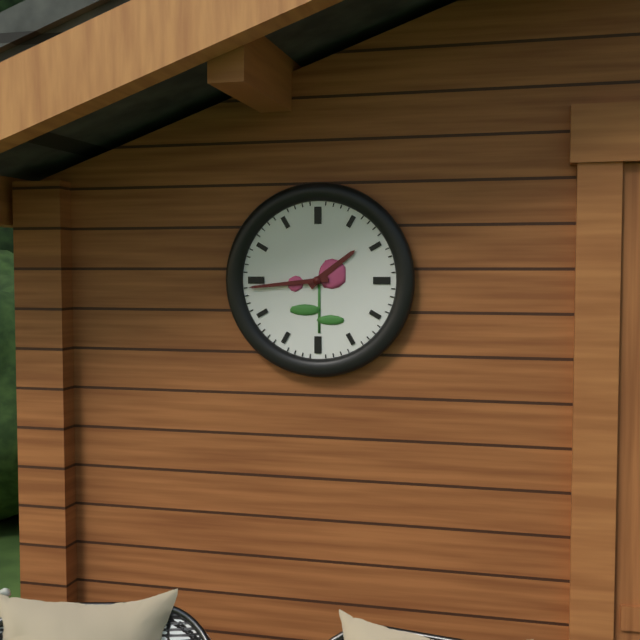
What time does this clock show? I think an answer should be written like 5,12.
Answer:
1,44
